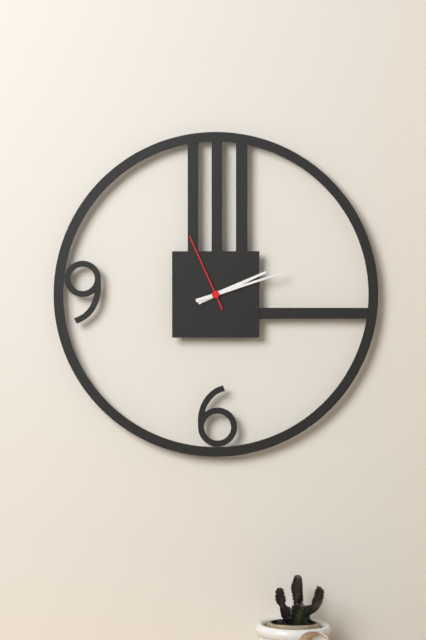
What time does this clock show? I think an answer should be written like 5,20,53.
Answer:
2,12,56
